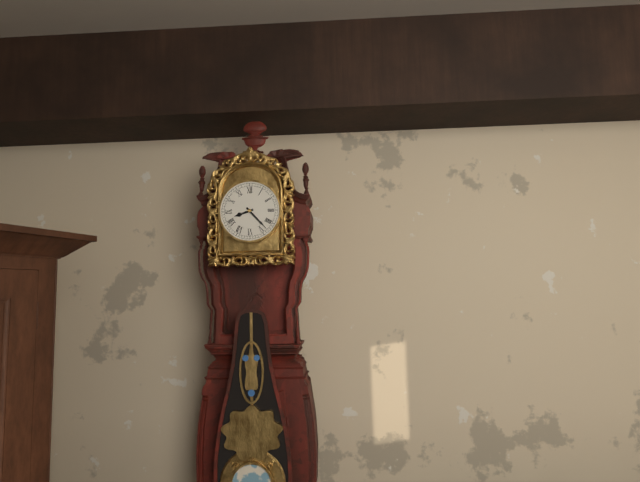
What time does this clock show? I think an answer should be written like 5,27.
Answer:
8,23
